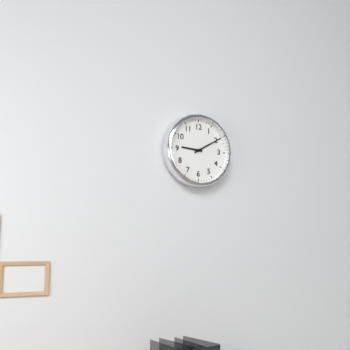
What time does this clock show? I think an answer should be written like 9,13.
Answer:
9,10
